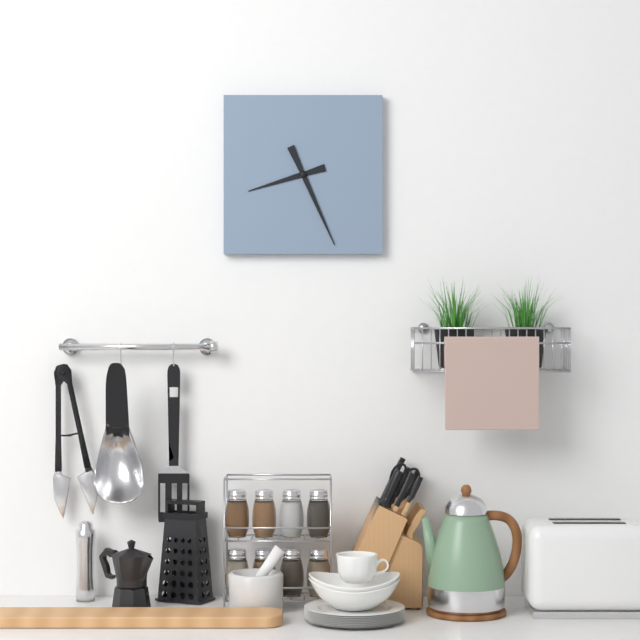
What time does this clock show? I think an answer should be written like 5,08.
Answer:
8,26
